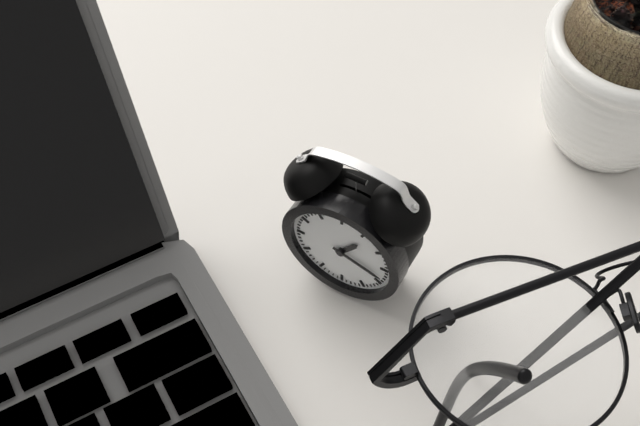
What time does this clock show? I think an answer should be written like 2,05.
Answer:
1,18
